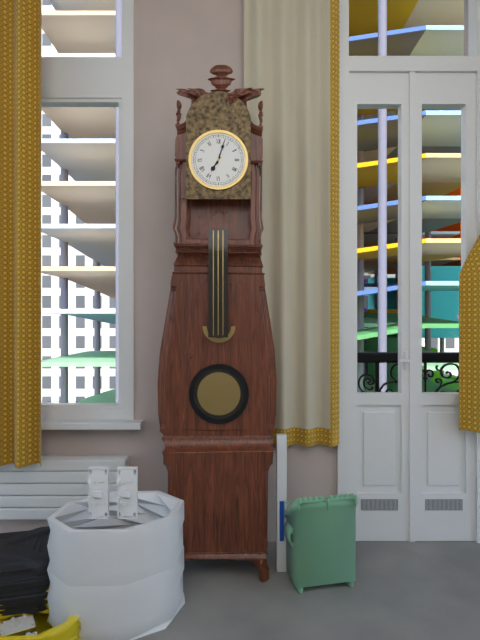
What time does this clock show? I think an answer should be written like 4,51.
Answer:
7,03
